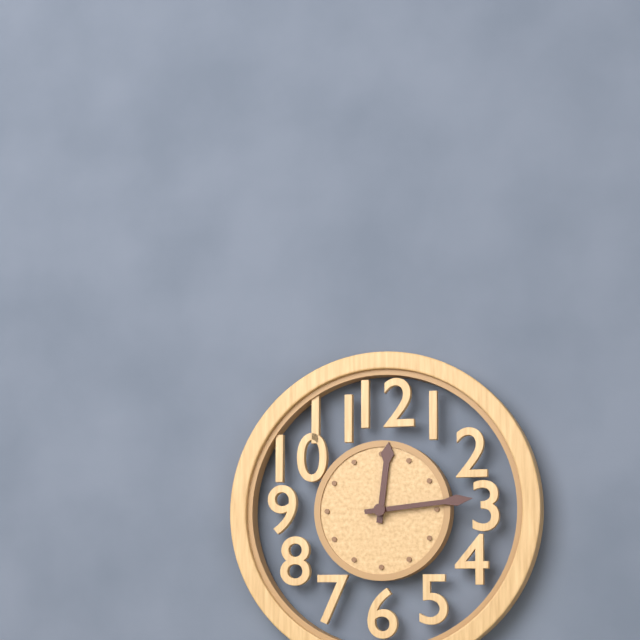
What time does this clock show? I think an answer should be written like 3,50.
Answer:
12,14
